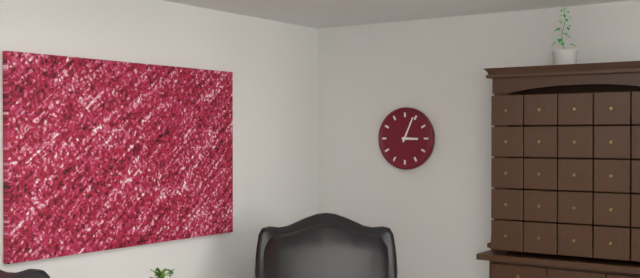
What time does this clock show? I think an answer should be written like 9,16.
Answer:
3,04
